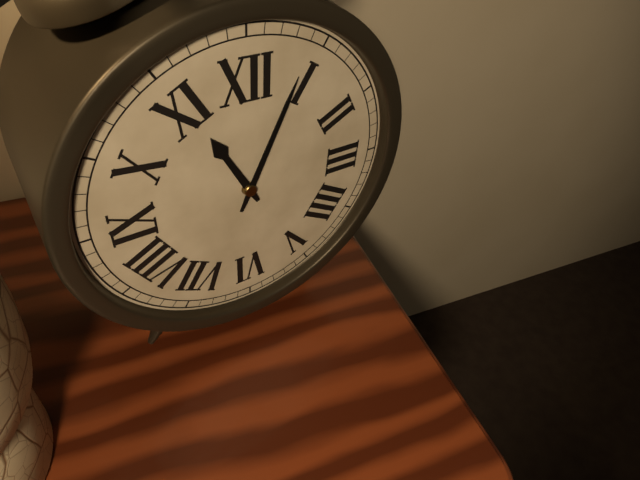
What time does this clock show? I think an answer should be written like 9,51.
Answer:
11,04
